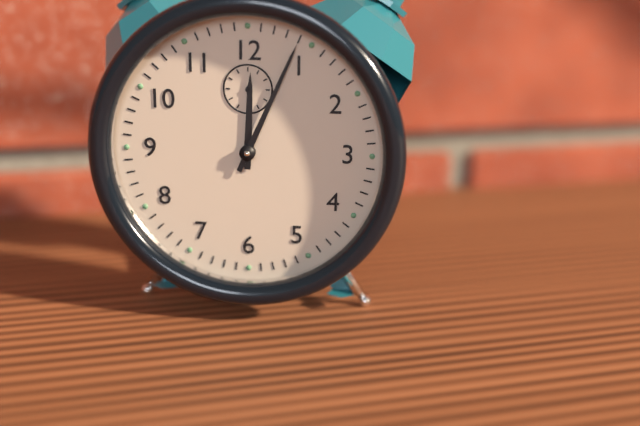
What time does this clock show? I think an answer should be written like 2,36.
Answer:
12,04
